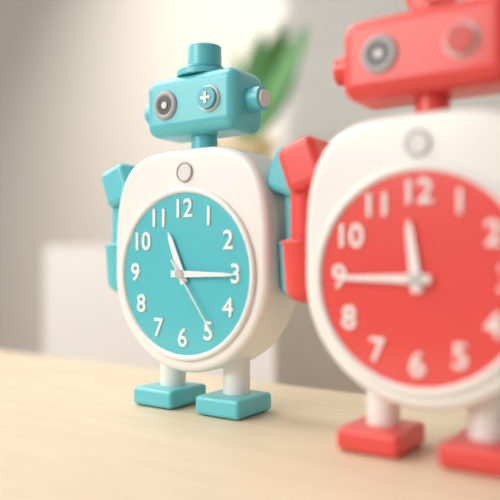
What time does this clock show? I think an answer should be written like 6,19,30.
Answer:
11,15,24
